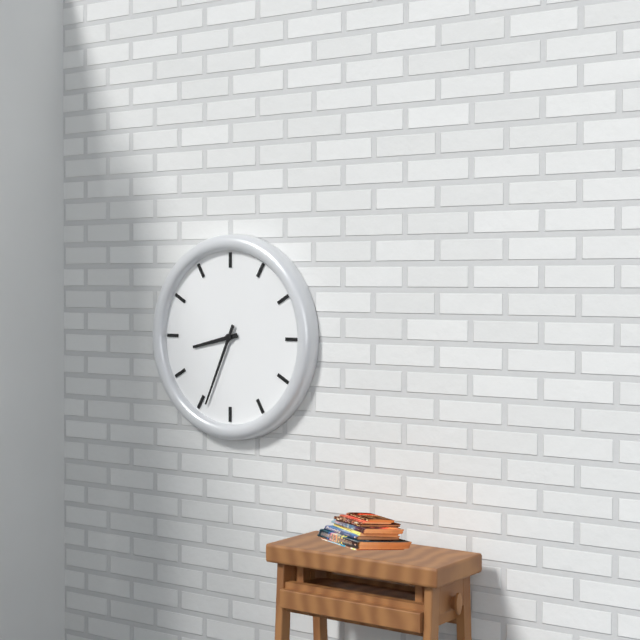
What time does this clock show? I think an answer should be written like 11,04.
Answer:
8,34
